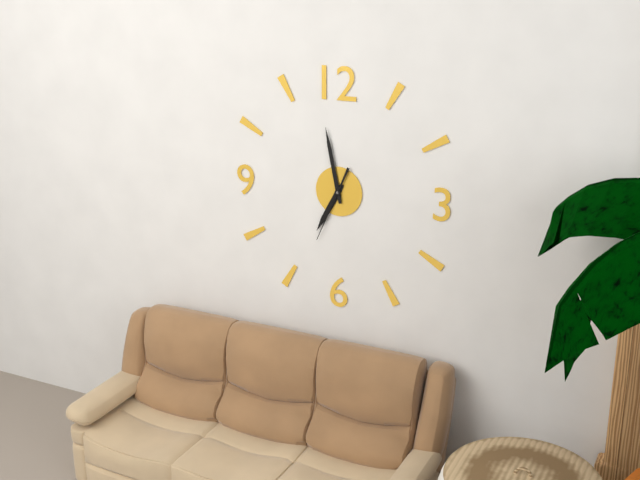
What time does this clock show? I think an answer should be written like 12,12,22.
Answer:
6,58,34
